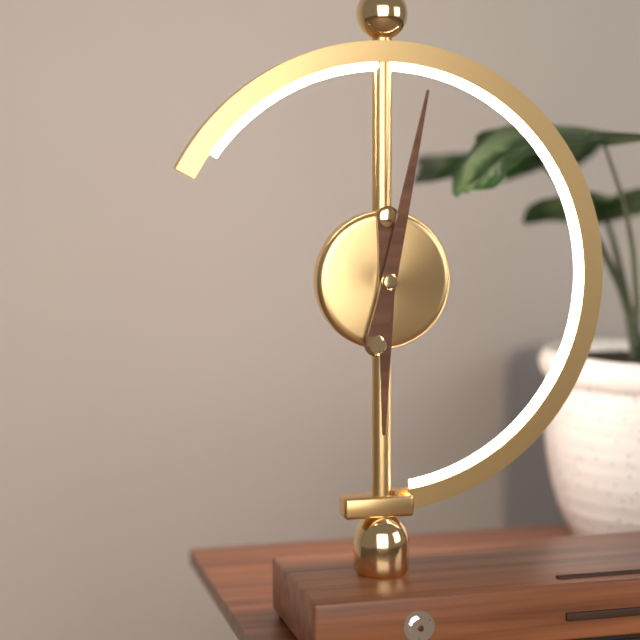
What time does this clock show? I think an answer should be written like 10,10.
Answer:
6,02
